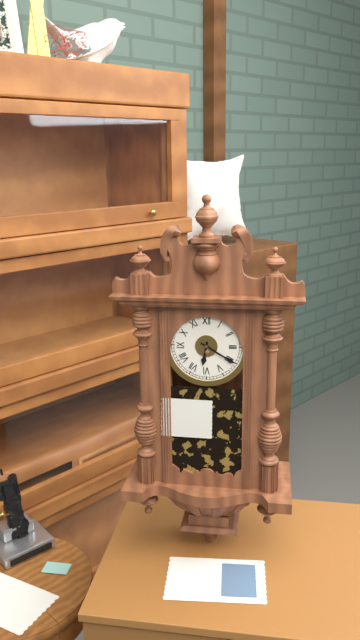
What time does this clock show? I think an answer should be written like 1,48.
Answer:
6,20
